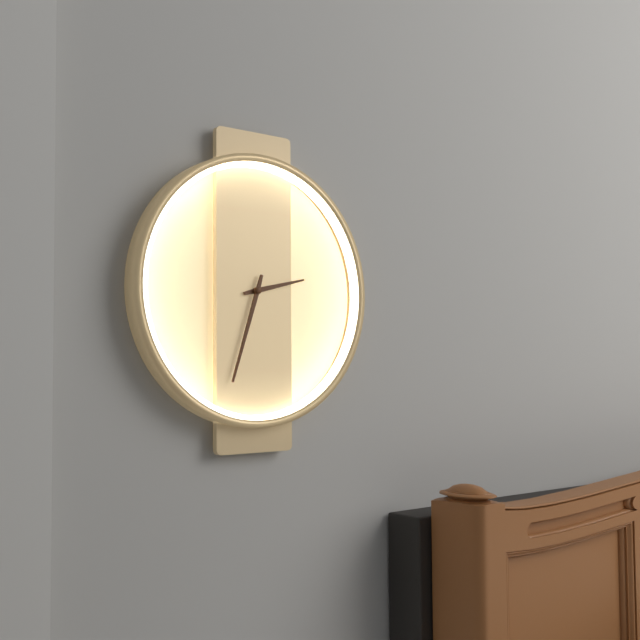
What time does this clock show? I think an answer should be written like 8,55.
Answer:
2,33
